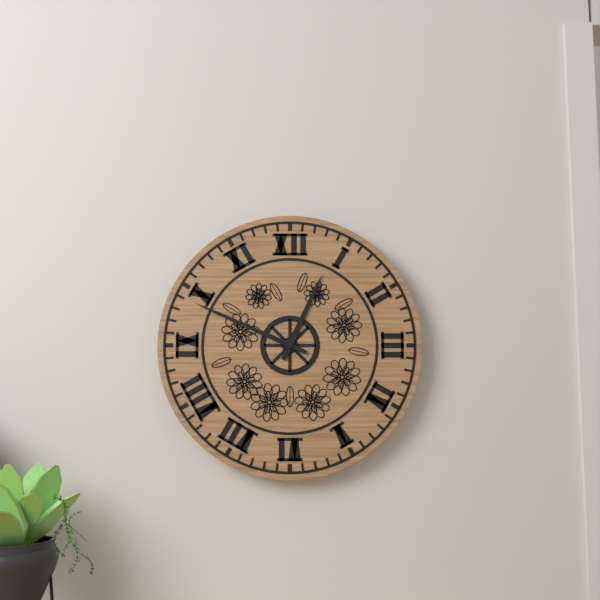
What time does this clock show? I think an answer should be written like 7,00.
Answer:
12,49
